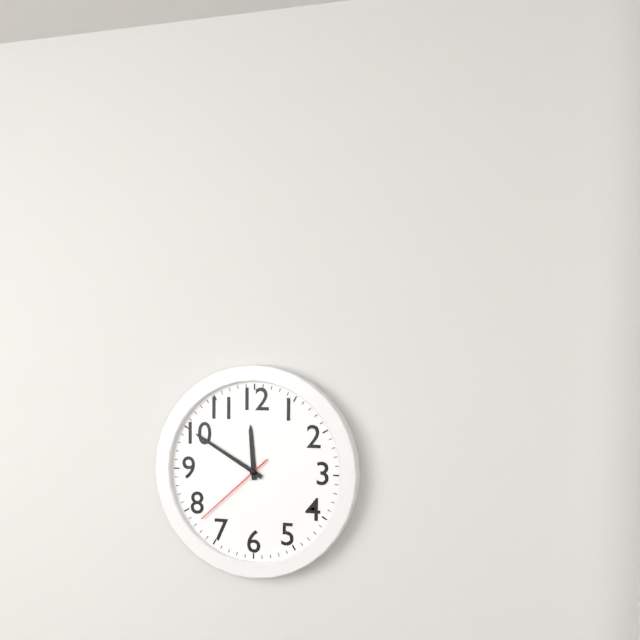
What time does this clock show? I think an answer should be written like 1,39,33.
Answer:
11,50,38
